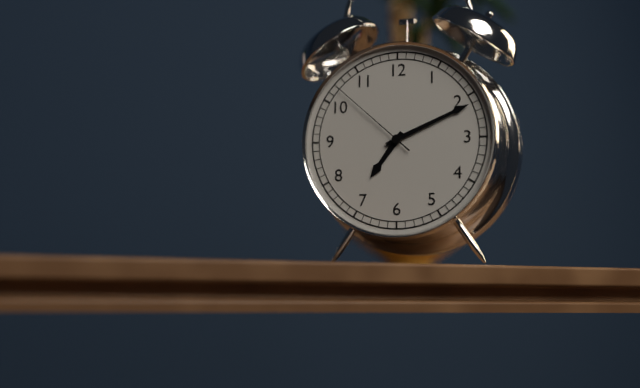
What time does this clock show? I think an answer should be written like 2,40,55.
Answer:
7,11,52
